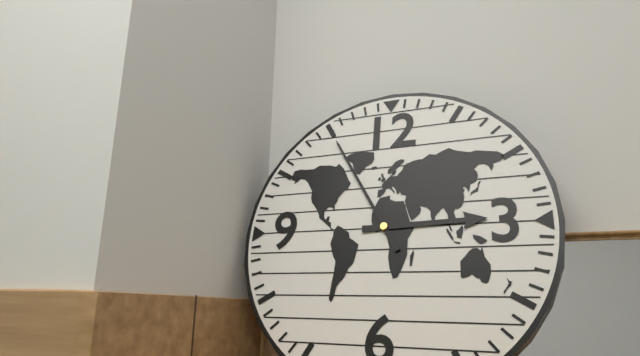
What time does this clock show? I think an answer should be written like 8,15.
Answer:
2,55
